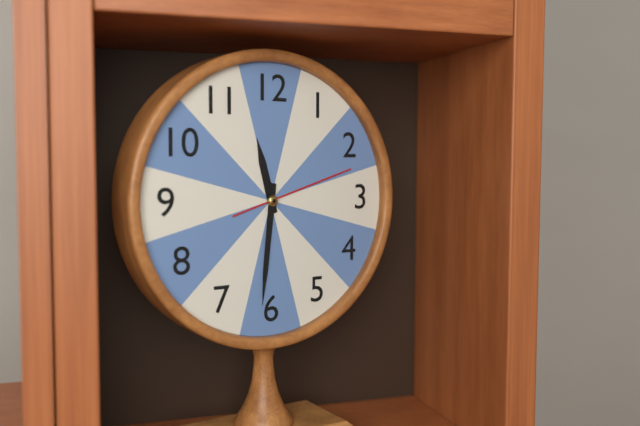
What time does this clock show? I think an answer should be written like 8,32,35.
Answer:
11,31,12
